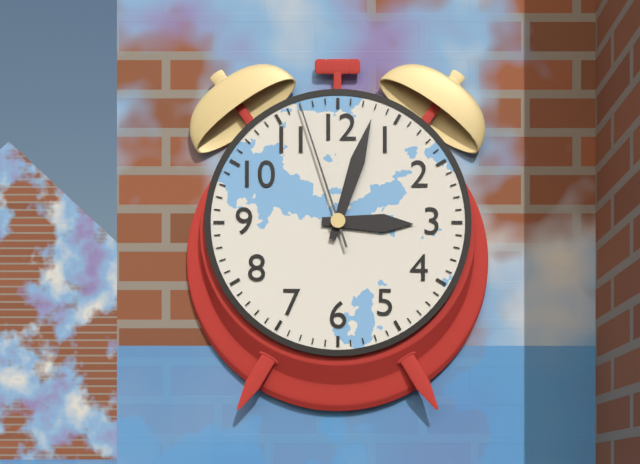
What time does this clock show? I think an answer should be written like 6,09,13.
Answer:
3,03,57
